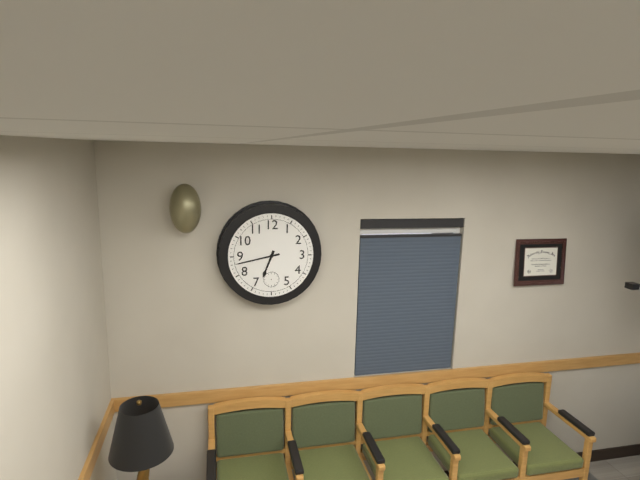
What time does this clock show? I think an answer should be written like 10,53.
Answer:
6,43
